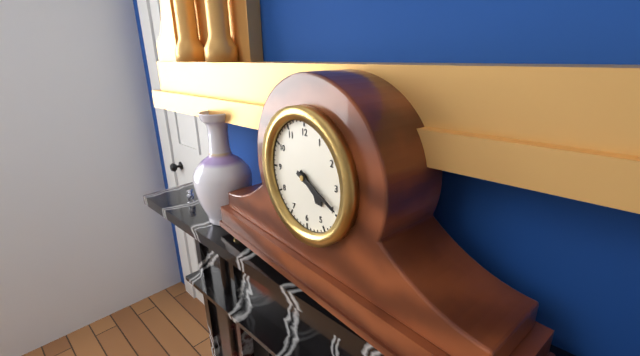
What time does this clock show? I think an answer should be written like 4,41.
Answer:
4,19
